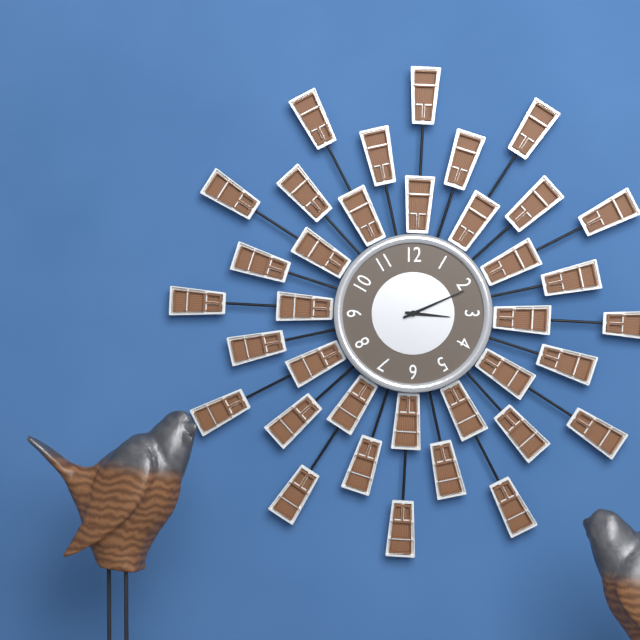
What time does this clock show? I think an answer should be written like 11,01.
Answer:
3,11
